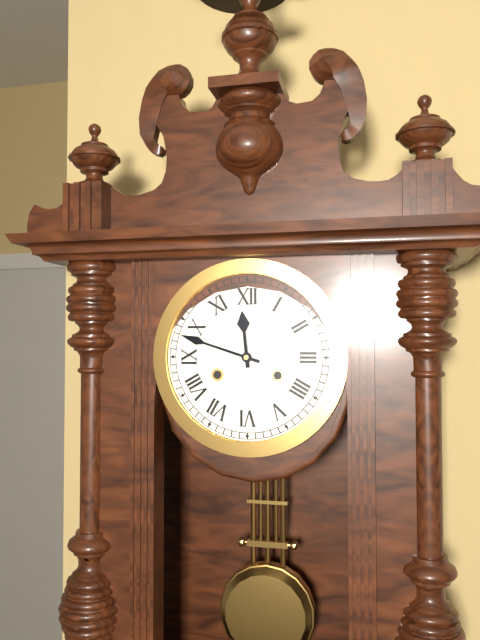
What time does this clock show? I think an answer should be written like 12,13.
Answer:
11,48
